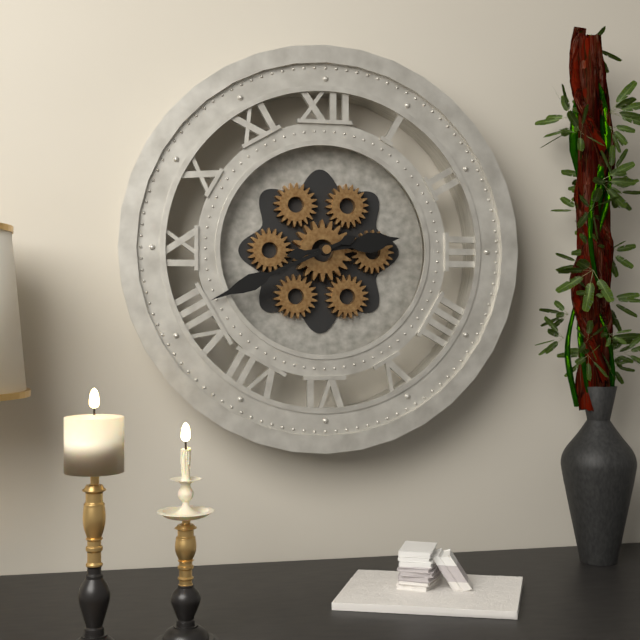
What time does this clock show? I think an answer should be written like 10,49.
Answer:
2,41
